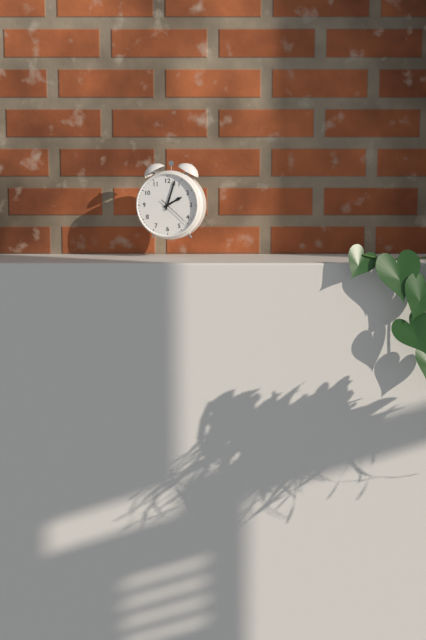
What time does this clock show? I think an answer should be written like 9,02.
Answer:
2,03
